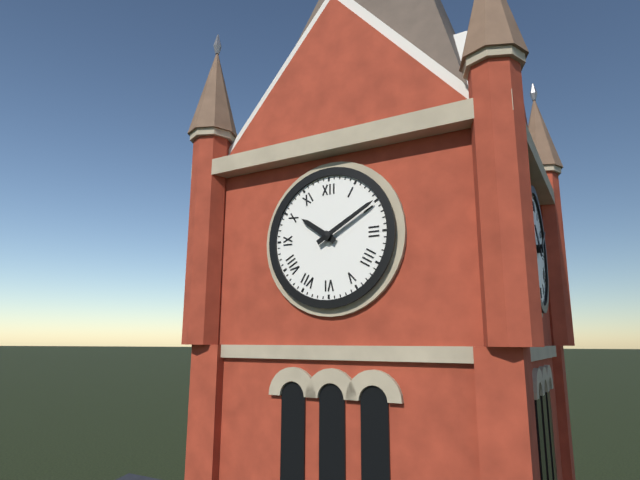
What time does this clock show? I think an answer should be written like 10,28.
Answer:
10,10
